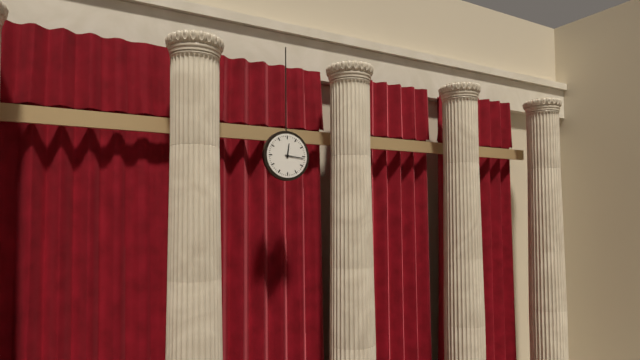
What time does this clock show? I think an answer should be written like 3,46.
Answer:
12,16
